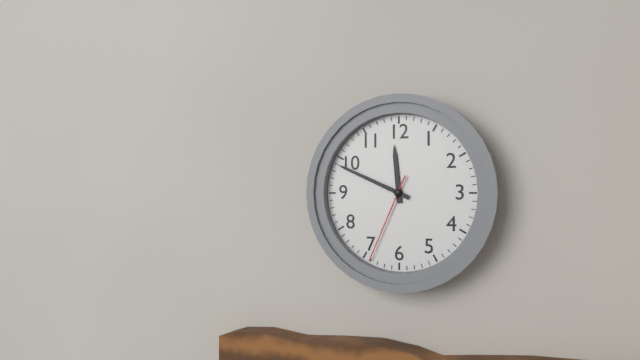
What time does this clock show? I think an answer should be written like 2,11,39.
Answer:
11,49,34
